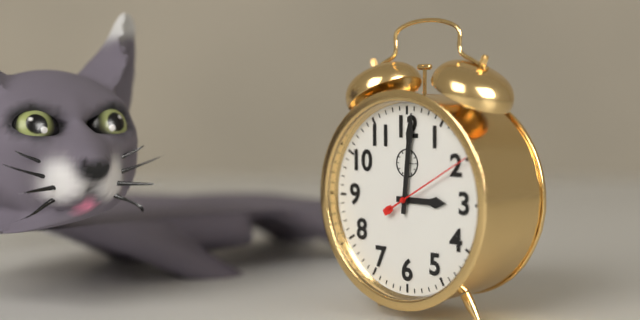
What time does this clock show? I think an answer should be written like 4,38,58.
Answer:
3,01,10
